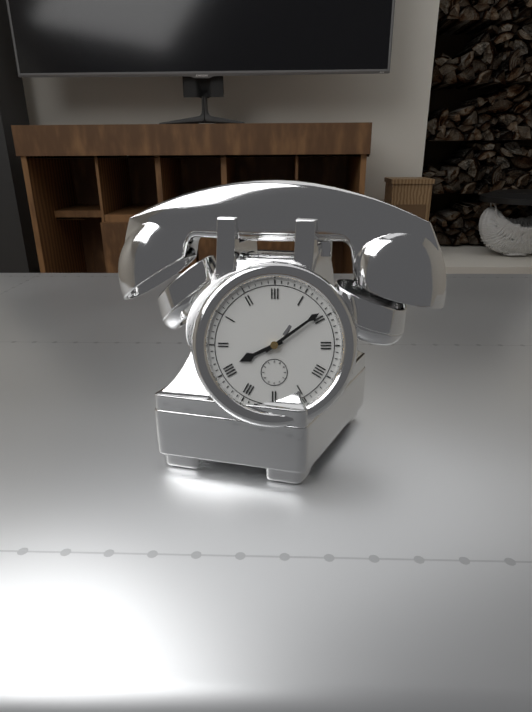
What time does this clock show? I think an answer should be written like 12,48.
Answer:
8,09
